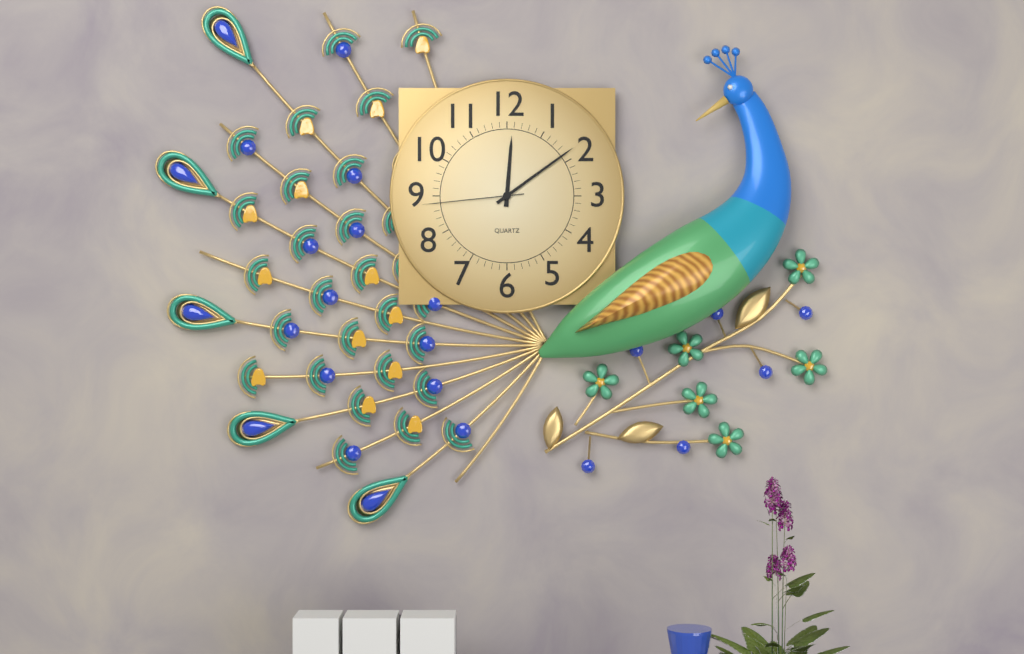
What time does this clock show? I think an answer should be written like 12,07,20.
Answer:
12,09,44
